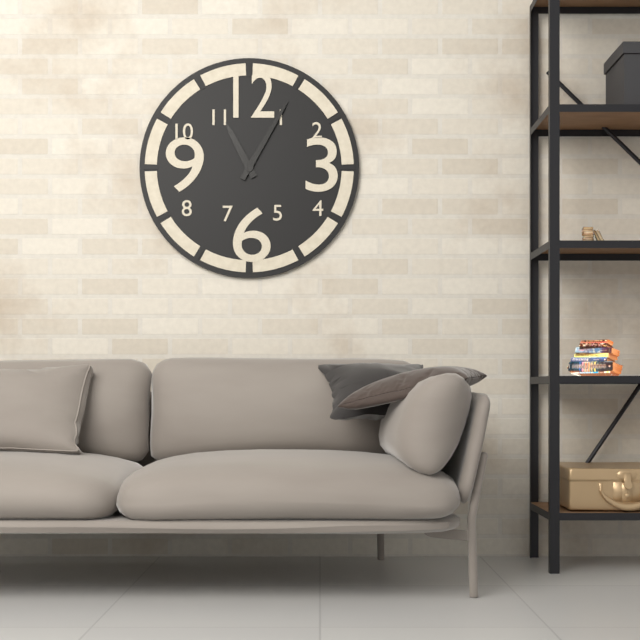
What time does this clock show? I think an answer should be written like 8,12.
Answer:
11,05
